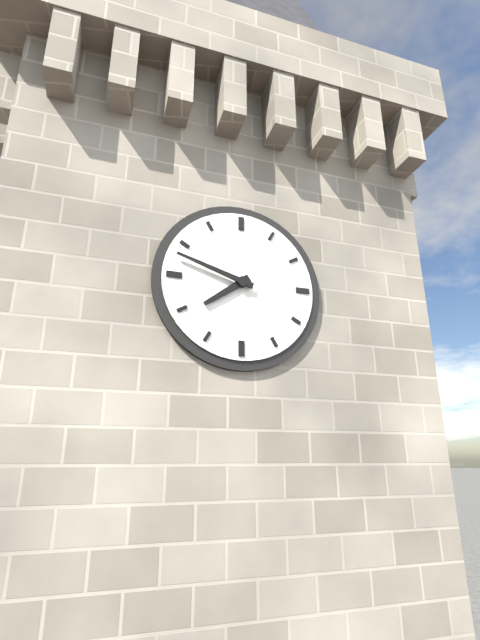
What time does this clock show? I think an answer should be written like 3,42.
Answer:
7,48
